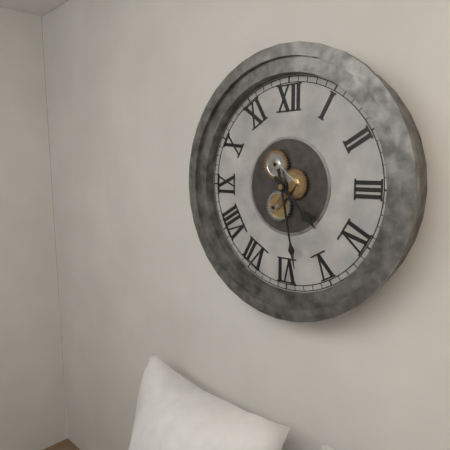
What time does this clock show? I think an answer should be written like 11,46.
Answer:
4,28
